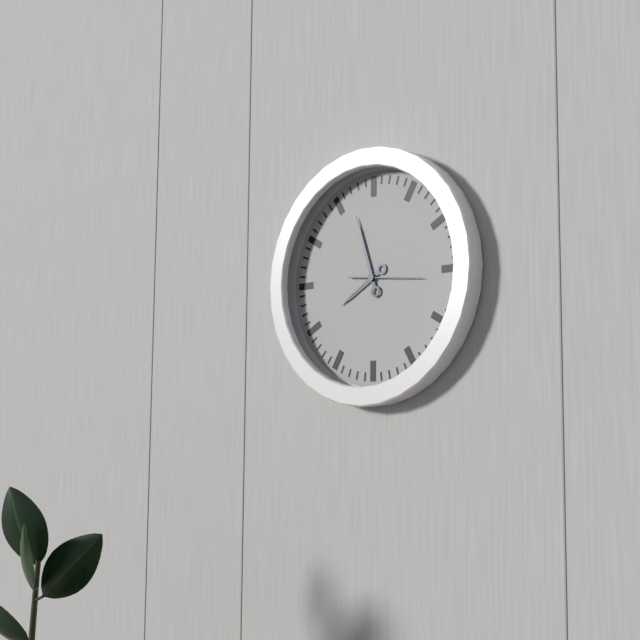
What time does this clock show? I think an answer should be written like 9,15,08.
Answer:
7,57,16
